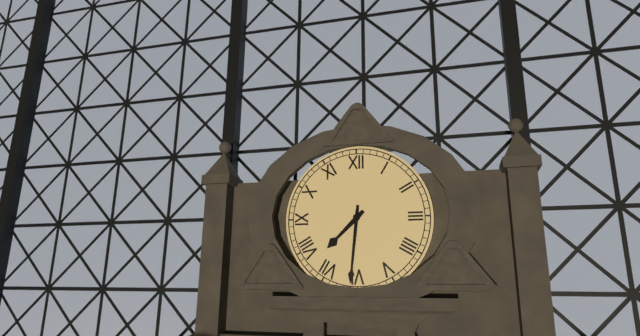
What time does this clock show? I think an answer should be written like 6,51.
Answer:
7,31
